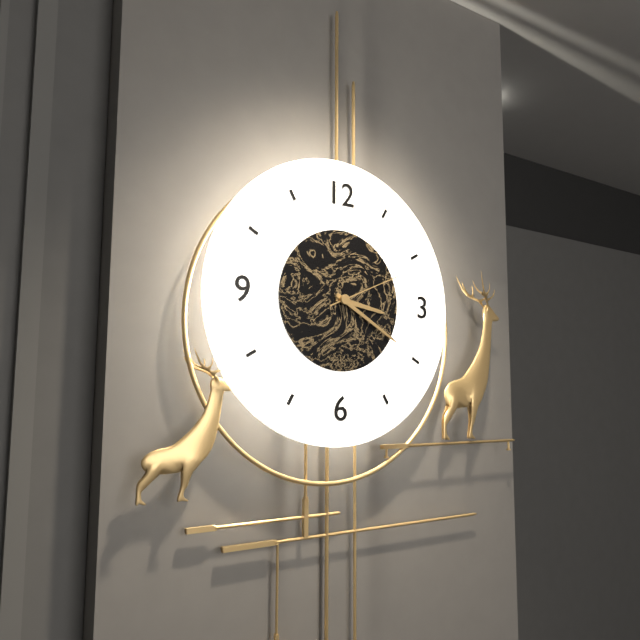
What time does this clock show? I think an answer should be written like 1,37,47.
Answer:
3,20,11
